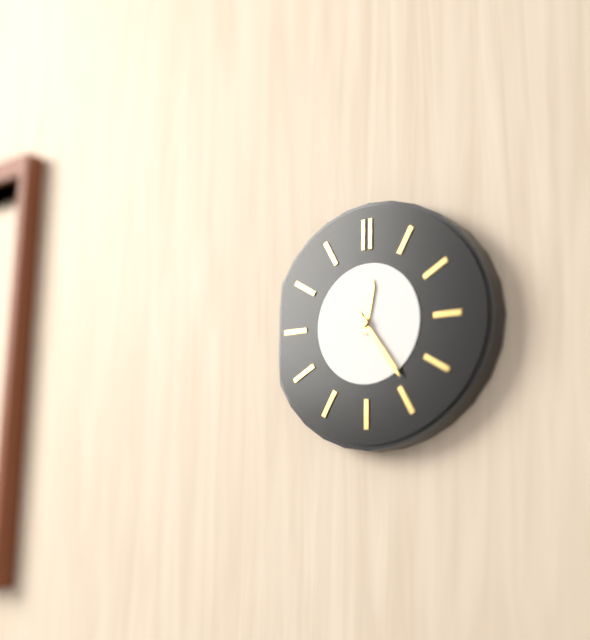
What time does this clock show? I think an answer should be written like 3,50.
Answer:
12,24
